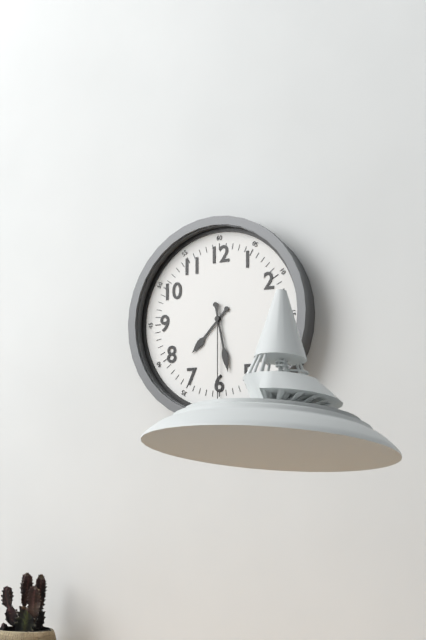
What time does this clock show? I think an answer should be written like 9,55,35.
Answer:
7,28,30
